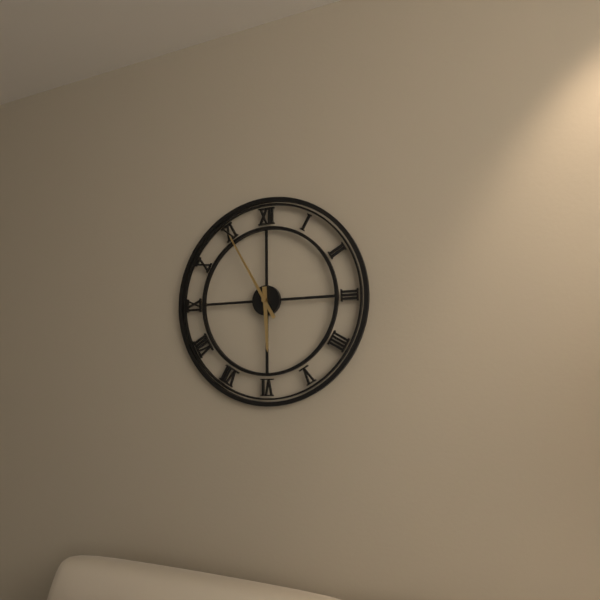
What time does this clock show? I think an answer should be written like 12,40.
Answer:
5,55
